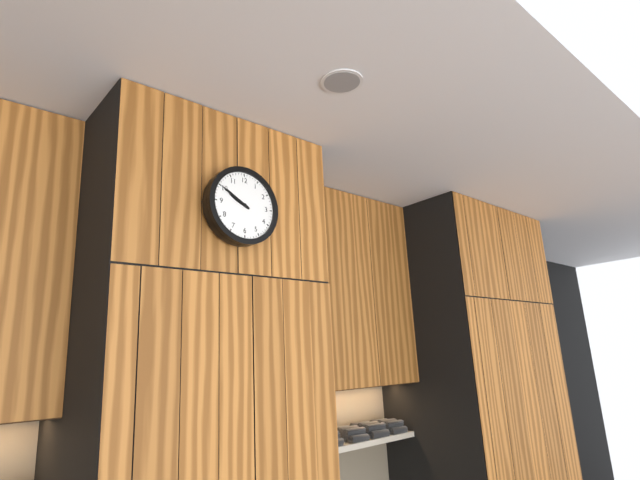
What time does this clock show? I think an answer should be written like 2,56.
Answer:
9,50
